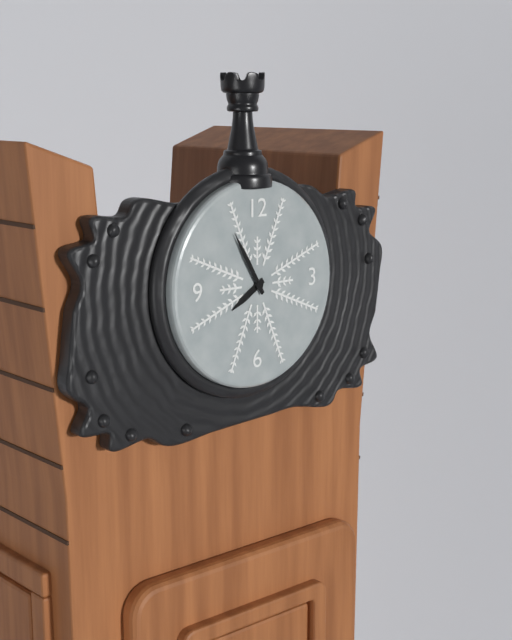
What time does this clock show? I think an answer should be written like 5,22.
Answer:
7,55
